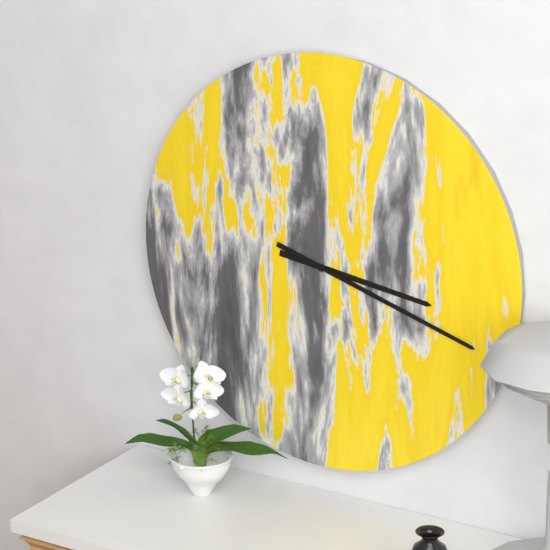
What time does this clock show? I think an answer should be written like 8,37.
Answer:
3,18
